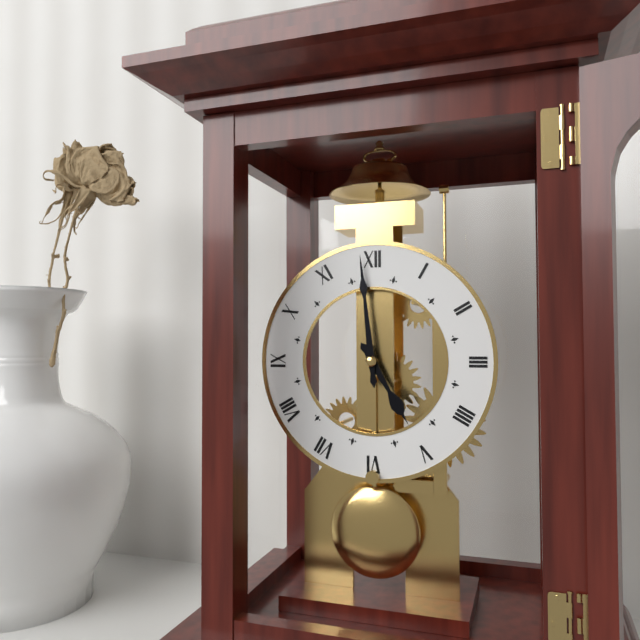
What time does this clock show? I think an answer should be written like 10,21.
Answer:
4,59
